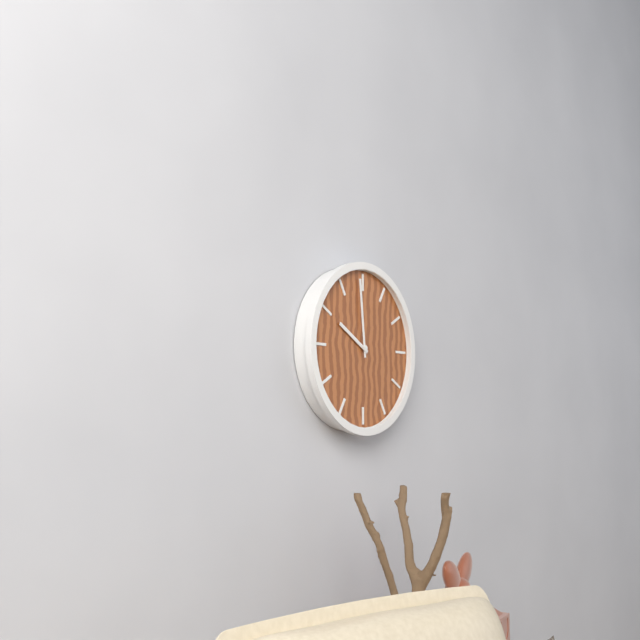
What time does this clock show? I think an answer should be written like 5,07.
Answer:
9,59
